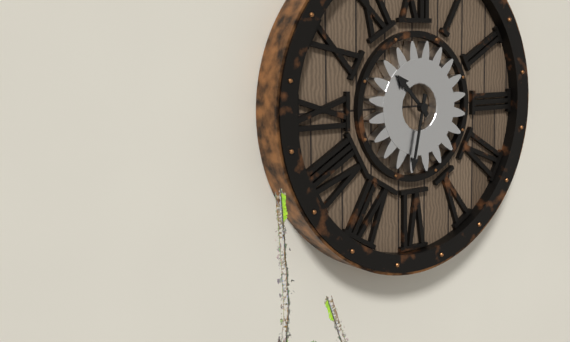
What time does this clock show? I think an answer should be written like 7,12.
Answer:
10,32
